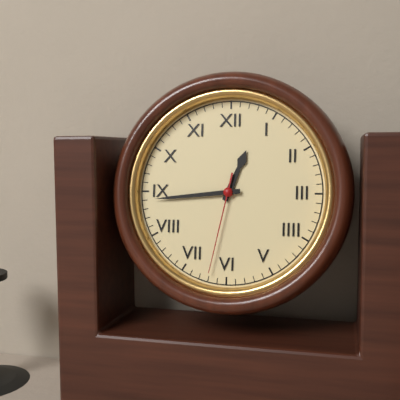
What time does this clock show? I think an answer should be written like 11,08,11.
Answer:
12,44,32
